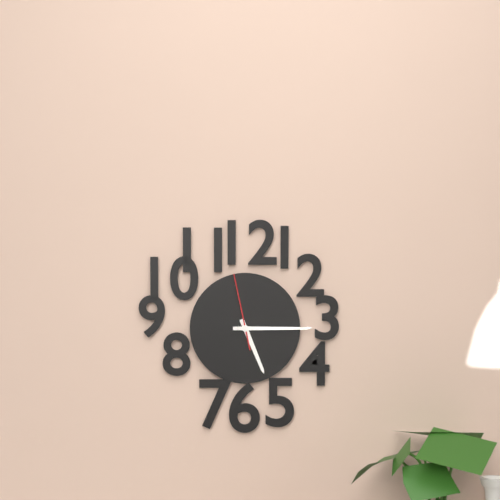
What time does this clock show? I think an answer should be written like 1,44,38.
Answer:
5,15,58
